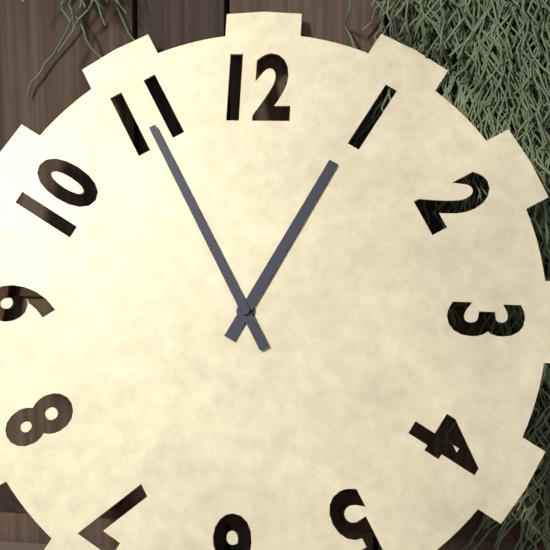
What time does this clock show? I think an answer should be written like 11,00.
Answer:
12,55
